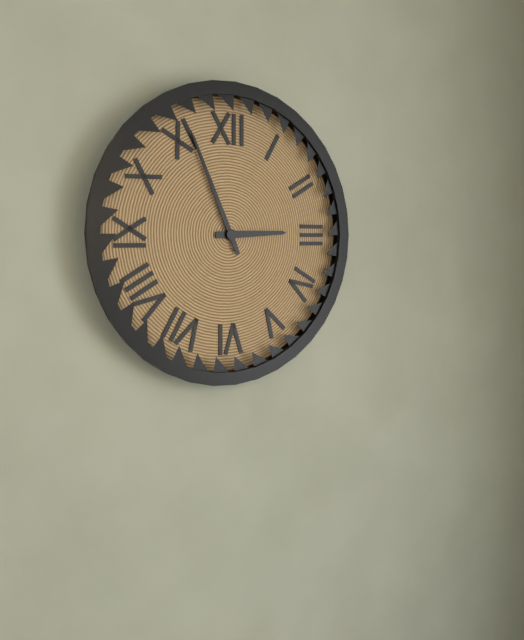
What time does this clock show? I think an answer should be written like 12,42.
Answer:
2,56
